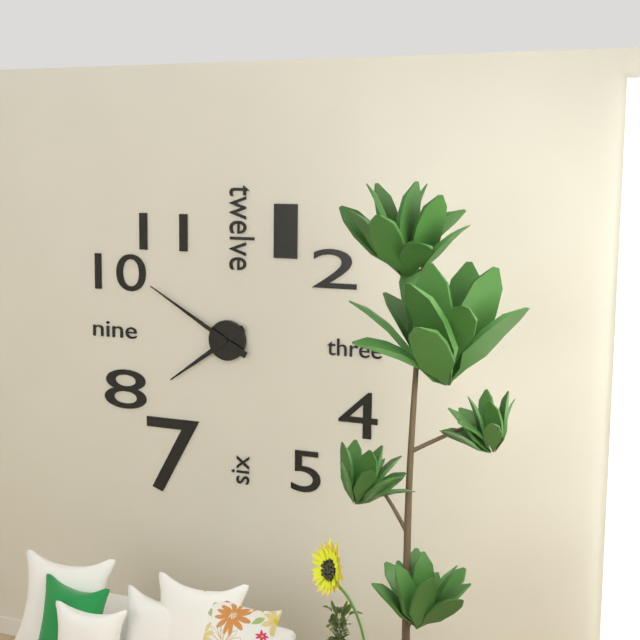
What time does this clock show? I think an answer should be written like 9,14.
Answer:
7,50
